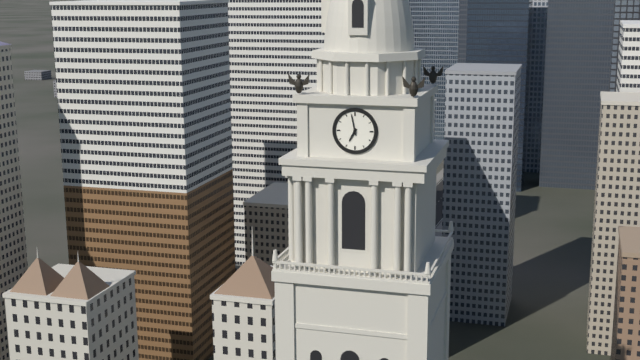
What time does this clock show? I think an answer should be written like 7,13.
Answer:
6,58
